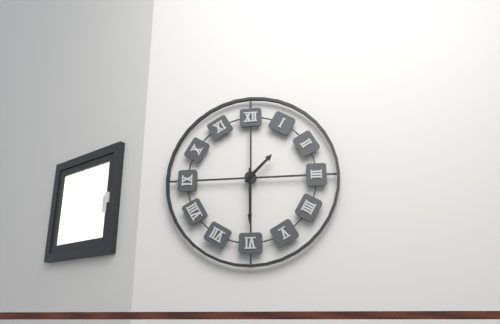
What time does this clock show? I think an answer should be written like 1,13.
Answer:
1,30
